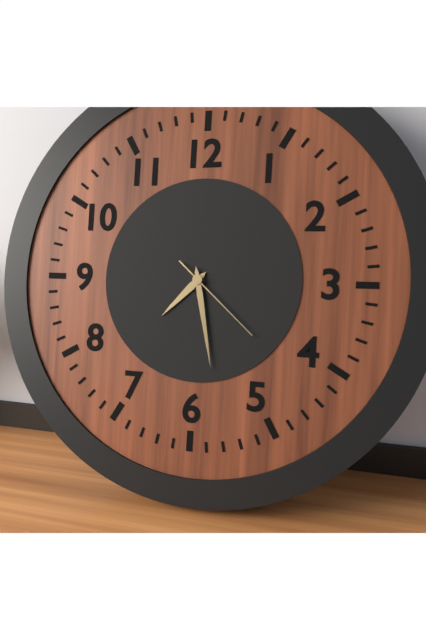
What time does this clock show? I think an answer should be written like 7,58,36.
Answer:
7,28,22
